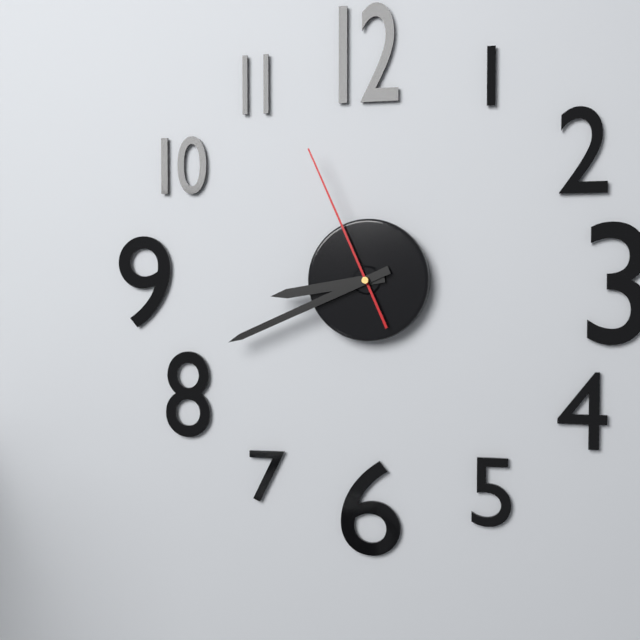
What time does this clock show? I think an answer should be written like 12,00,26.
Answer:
8,41,56
